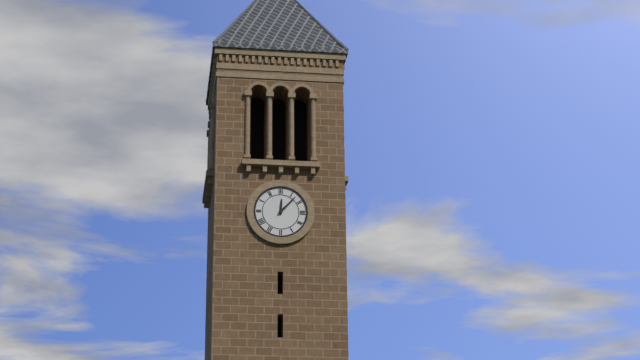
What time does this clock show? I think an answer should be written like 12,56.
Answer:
12,07
